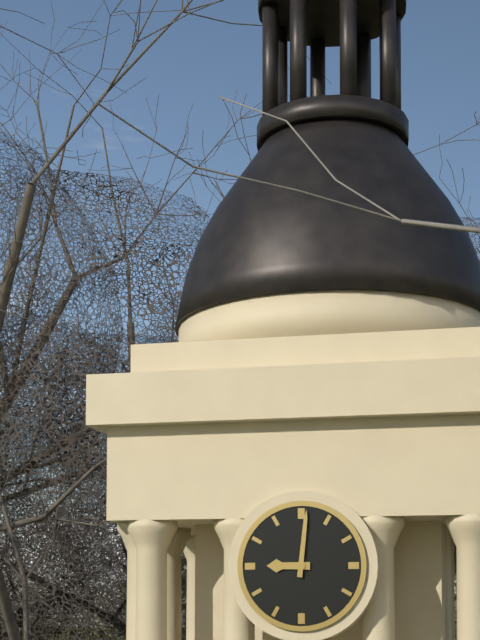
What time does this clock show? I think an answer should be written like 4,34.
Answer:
9,01
